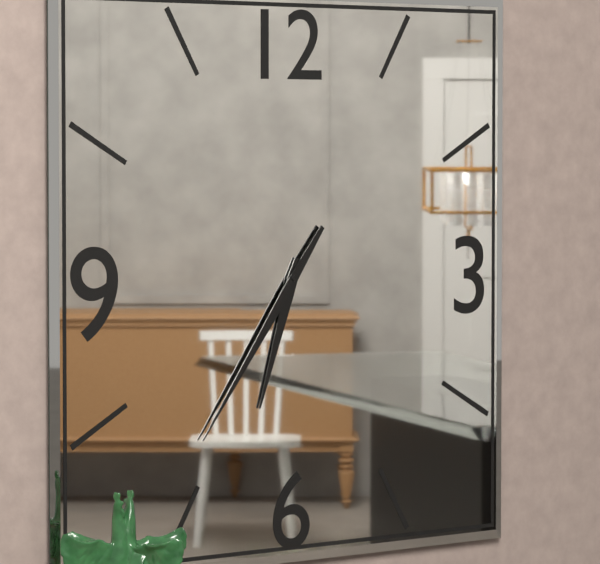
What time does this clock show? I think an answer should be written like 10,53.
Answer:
6,36
